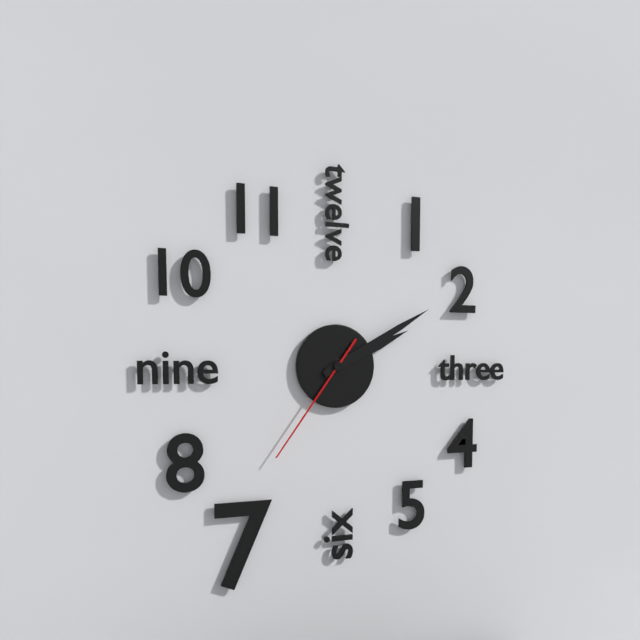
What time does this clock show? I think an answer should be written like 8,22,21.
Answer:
2,10,36
